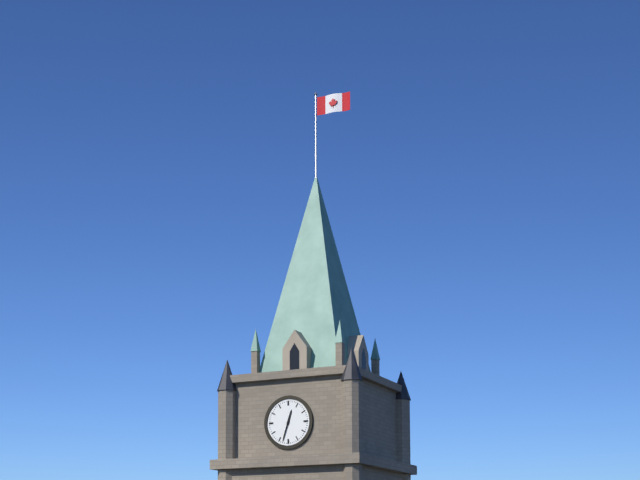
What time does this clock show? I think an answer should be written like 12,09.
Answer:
12,33
